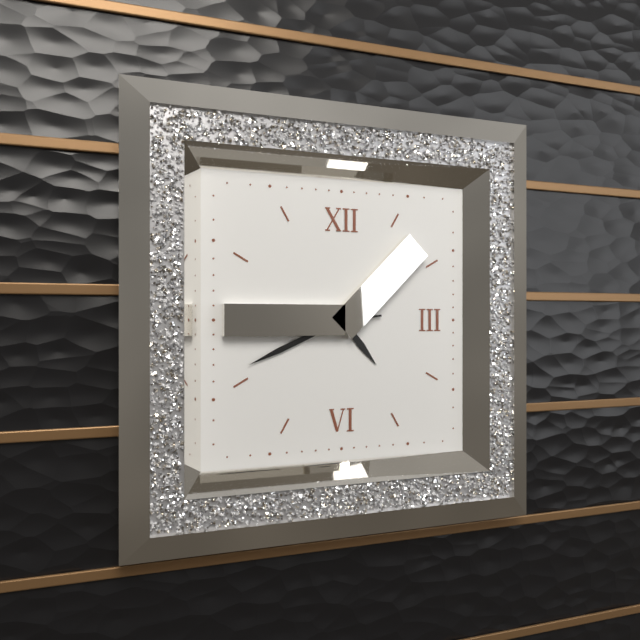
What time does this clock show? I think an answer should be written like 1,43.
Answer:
4,41
